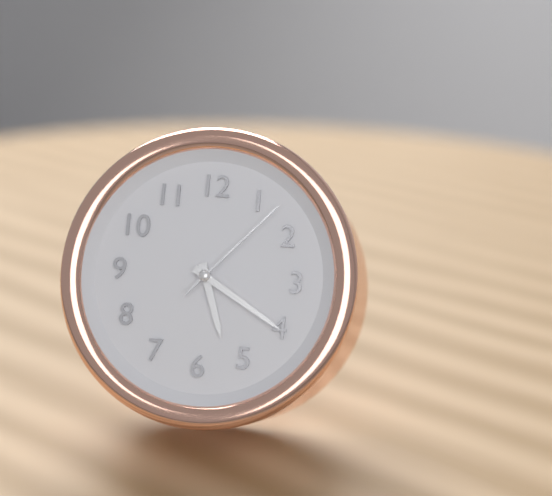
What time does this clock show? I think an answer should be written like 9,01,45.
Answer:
5,20,07
